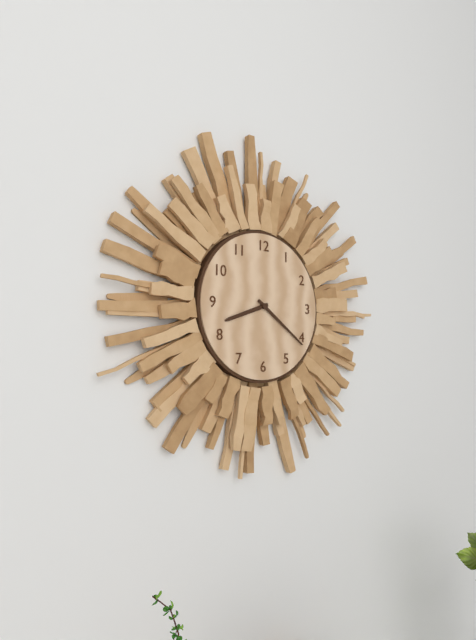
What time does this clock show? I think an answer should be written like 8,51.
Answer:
8,21
